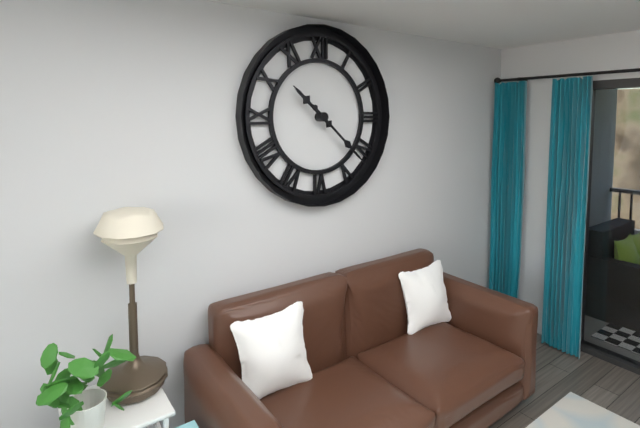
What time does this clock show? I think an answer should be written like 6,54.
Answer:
10,22
